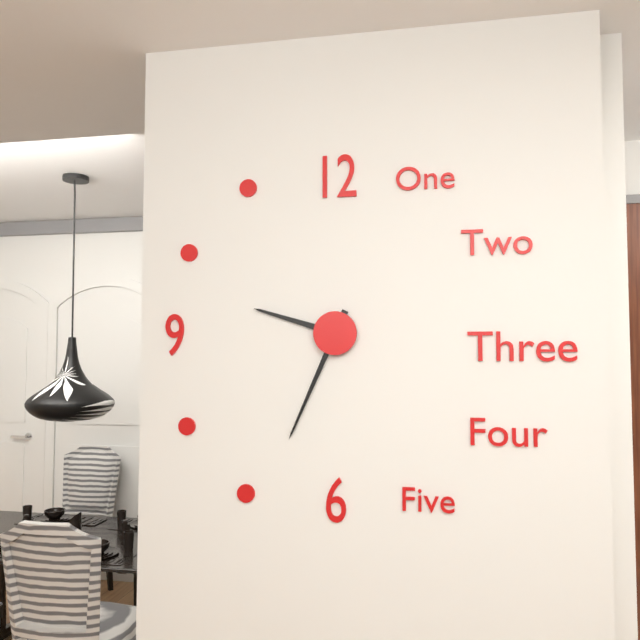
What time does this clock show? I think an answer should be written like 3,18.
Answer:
9,34
